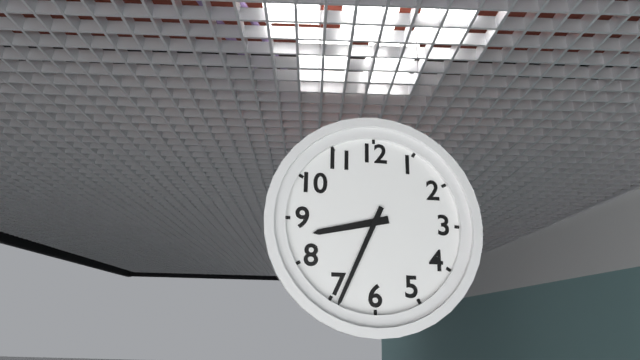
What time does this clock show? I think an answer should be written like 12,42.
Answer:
8,34
